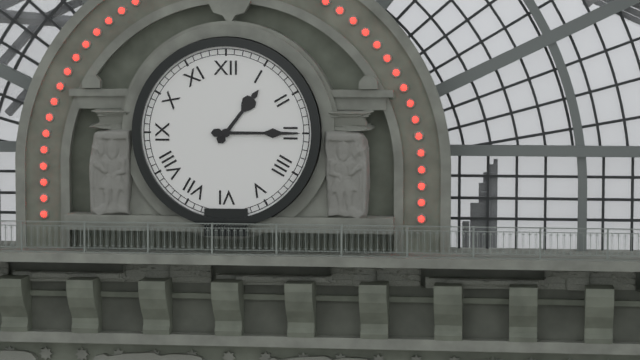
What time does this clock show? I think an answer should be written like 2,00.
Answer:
1,15
